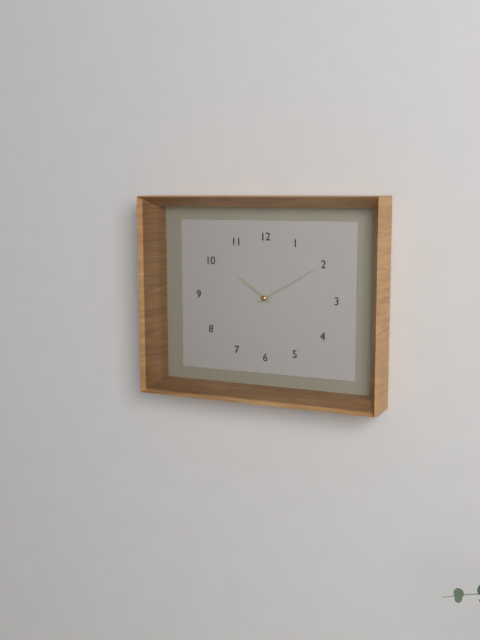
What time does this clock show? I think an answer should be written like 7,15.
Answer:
10,10
